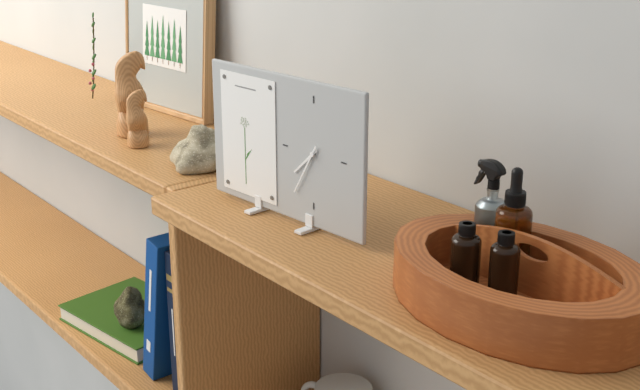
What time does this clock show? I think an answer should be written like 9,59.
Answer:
7,35
